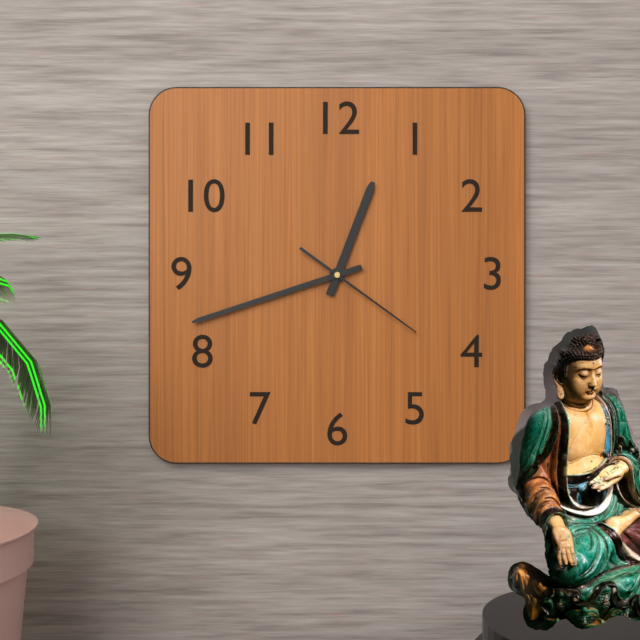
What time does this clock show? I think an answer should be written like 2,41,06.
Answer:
12,42,21
